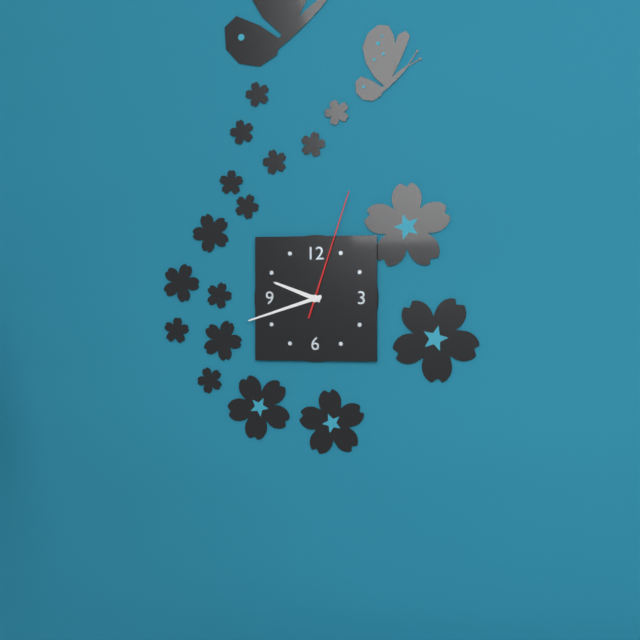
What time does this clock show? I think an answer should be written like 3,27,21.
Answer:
9,42,03
